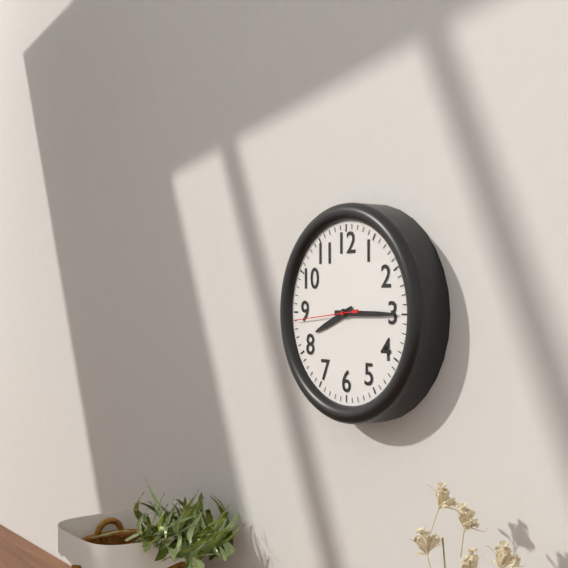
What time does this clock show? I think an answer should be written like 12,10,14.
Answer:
8,15,44
